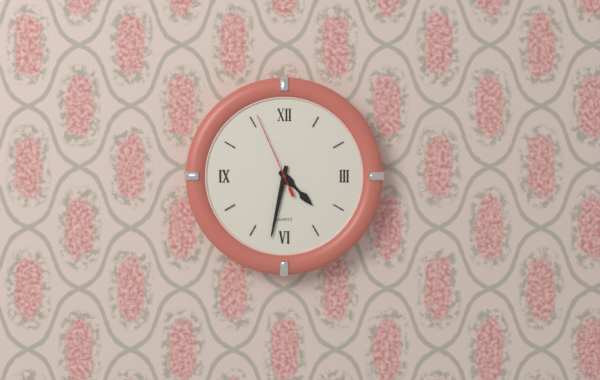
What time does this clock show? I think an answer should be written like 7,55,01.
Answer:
4,32,56
